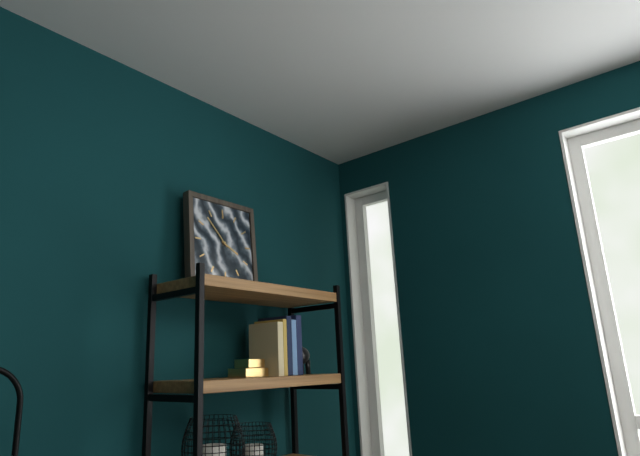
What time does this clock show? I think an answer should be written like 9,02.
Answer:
3,53
